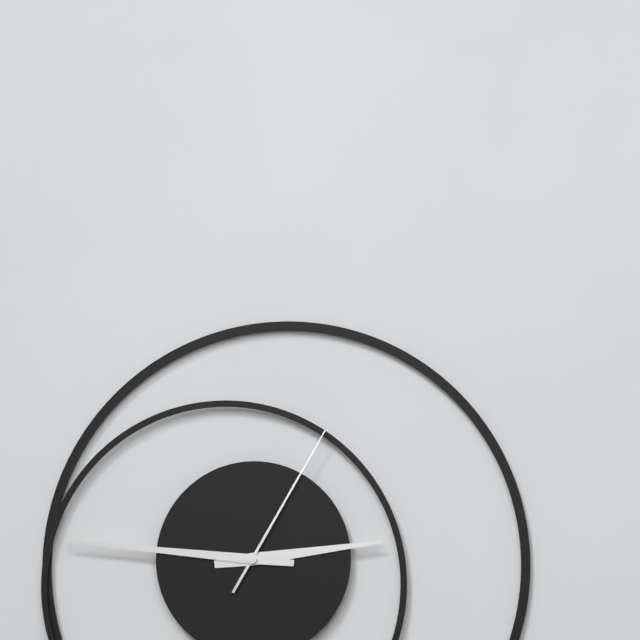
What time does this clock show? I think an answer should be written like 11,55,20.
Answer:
2,46,05
